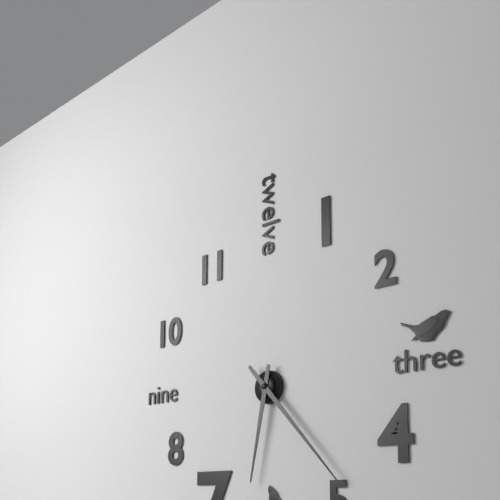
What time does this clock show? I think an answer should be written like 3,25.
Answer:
6,23
